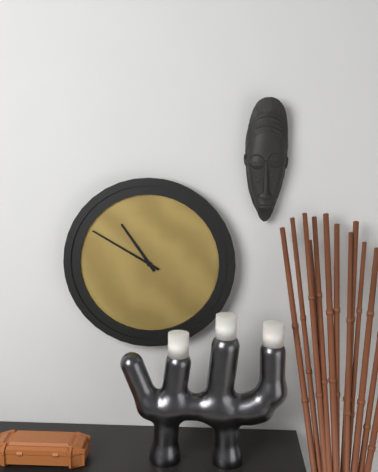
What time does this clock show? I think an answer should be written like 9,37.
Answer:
10,50
